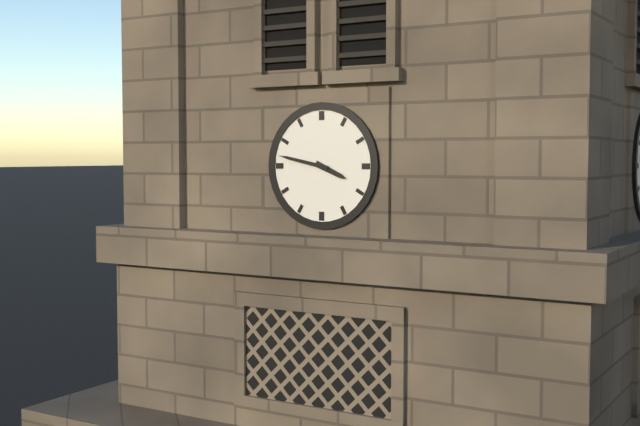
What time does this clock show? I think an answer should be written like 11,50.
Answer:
3,47
